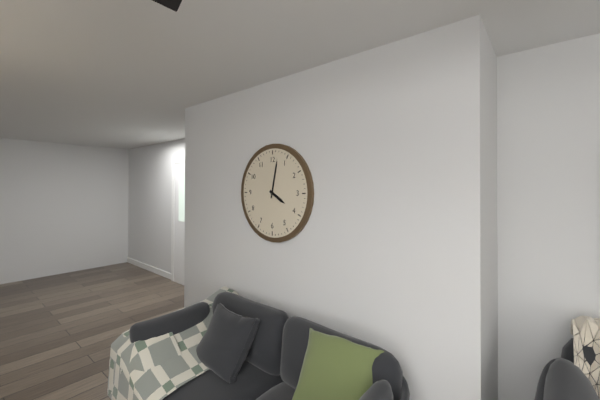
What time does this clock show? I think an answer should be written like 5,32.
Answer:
4,02
